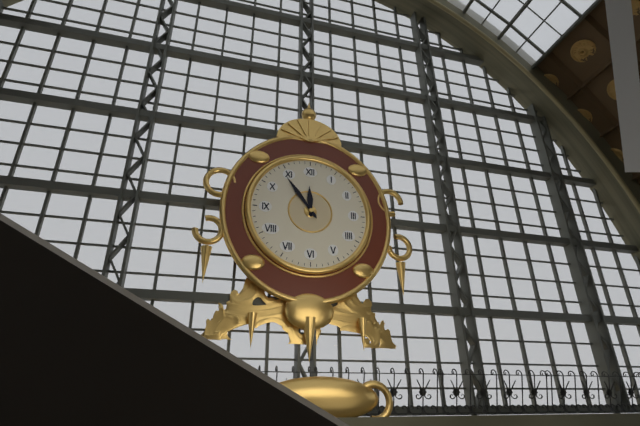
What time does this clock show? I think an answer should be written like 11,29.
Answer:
11,54
